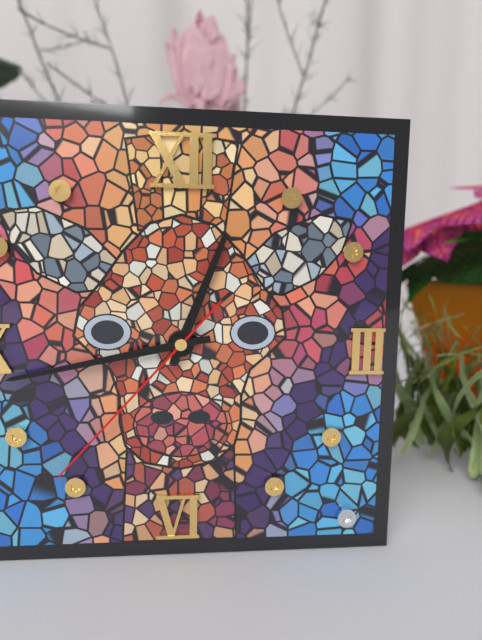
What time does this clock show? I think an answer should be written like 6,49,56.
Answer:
12,43,37
